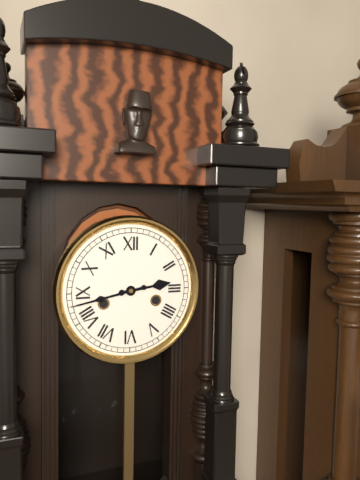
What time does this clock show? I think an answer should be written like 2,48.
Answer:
2,43
